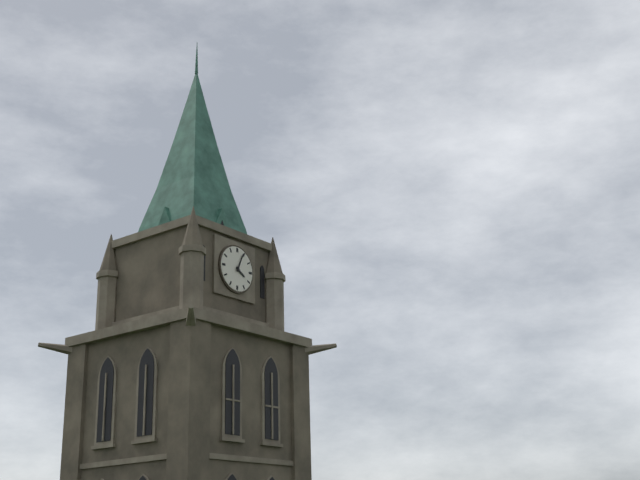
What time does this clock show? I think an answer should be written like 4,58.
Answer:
4,04
